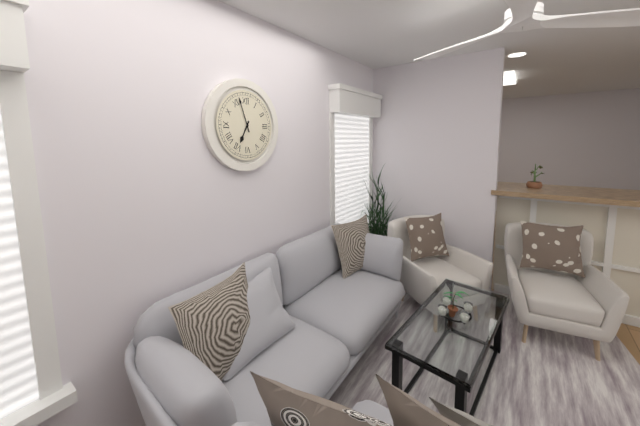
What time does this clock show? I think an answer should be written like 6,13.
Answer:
6,57
